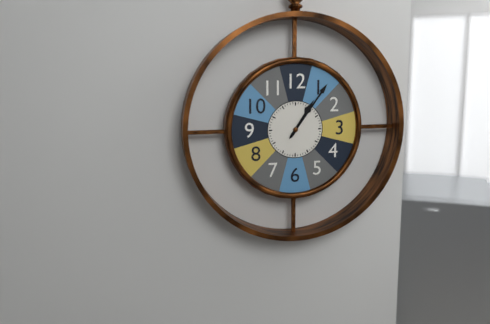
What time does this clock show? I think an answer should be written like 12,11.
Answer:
1,06
